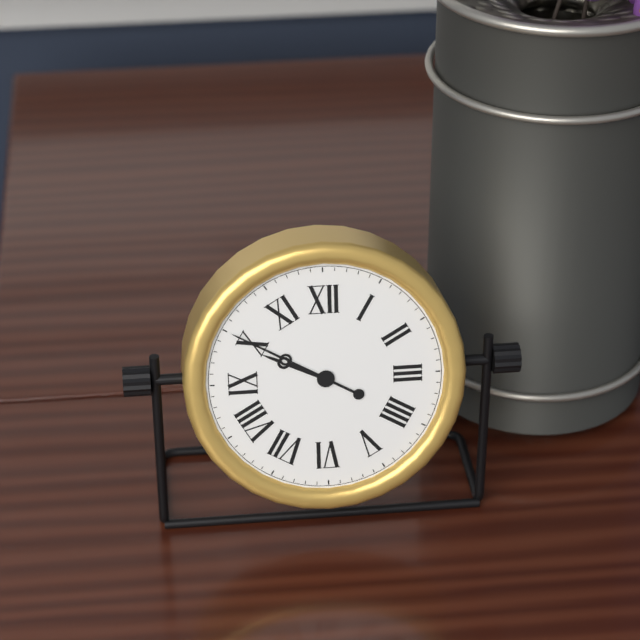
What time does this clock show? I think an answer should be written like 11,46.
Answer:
9,50
